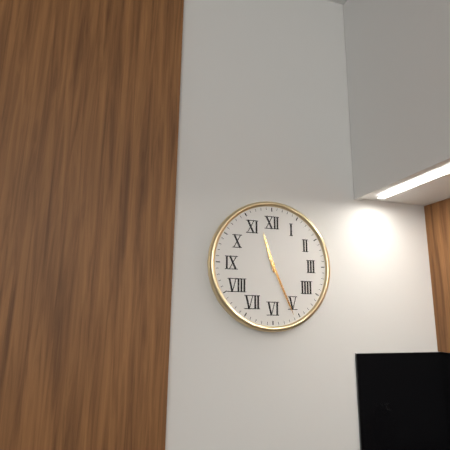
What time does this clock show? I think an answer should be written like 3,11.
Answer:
11,26
